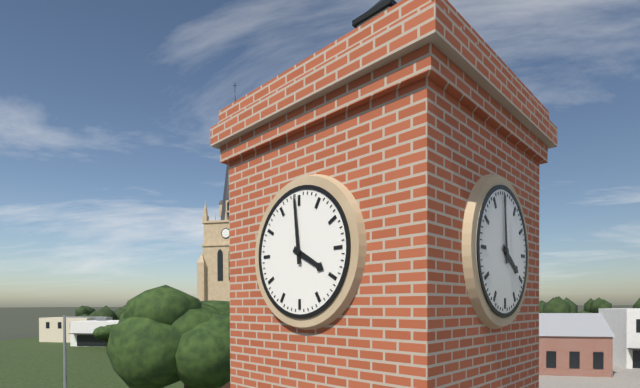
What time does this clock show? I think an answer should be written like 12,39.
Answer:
3,59
